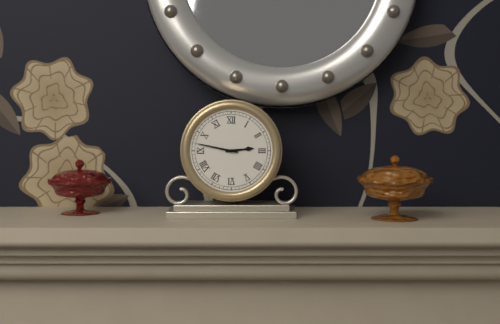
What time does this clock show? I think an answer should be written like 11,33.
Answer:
2,47
